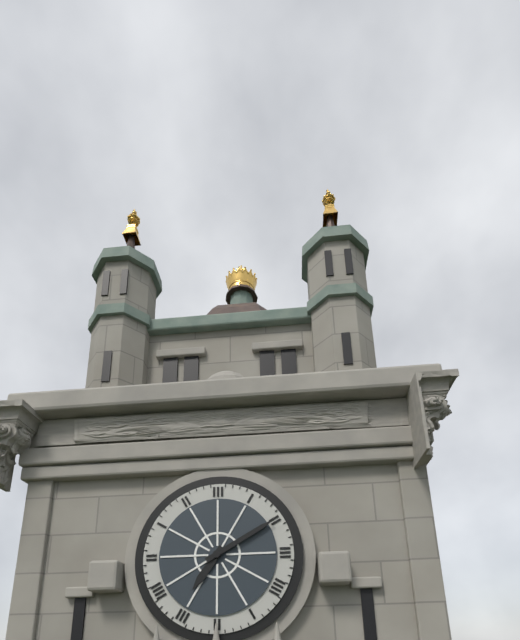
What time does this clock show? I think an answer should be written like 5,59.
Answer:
7,10
